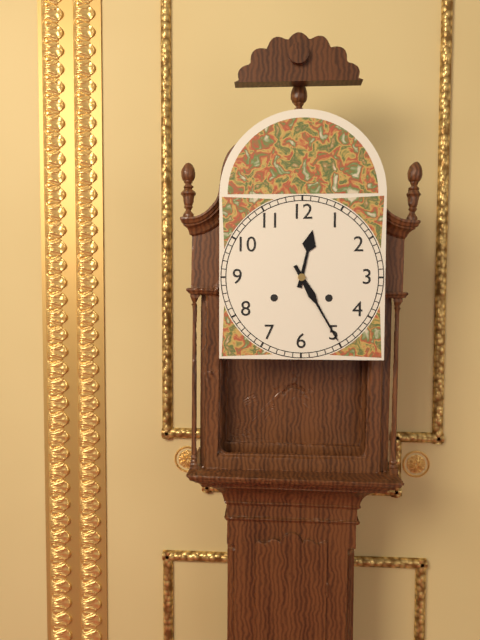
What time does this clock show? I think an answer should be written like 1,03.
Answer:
12,25
